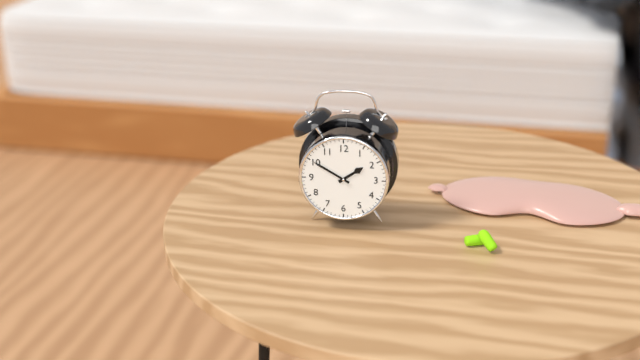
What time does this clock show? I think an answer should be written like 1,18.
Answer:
1,50
